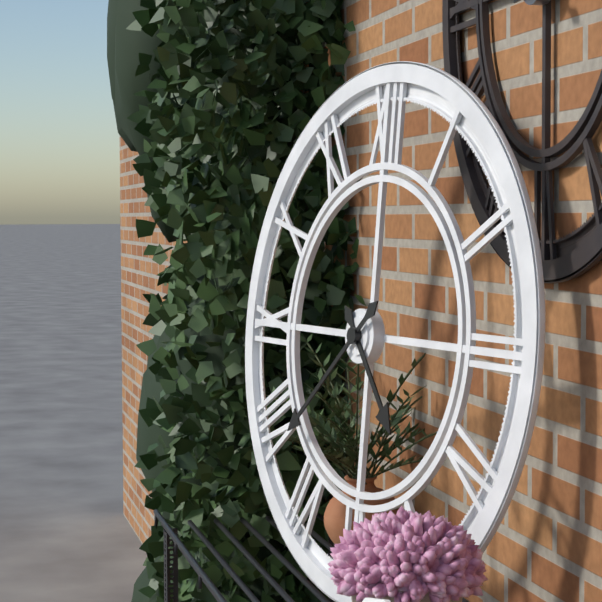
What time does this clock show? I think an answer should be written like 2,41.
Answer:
4,38
